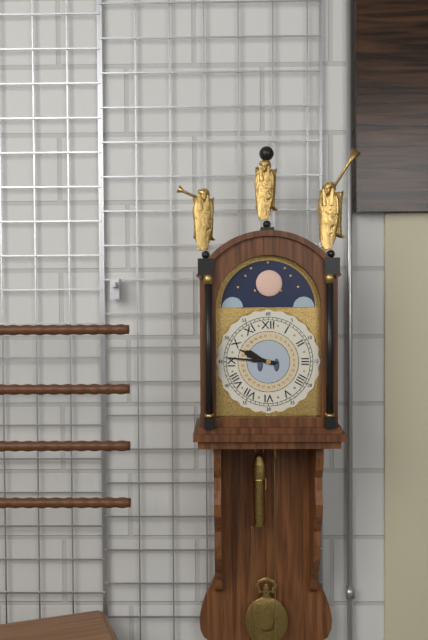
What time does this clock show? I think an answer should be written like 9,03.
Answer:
9,46
